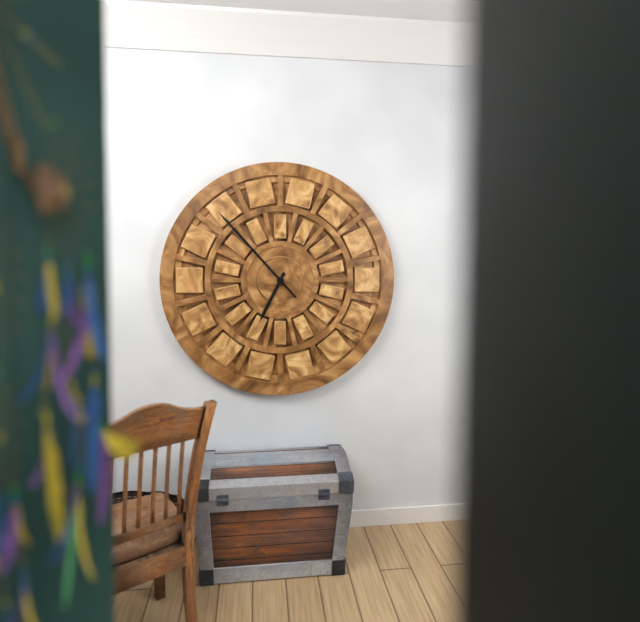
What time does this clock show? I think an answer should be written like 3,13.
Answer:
6,53
